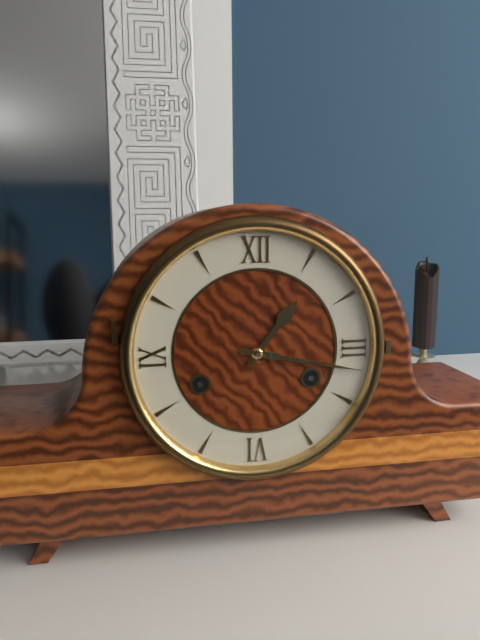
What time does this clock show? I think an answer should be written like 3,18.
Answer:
1,17
